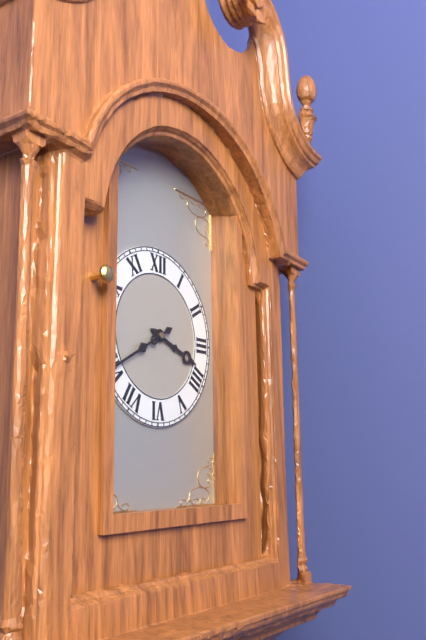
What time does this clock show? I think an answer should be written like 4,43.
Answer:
3,40
